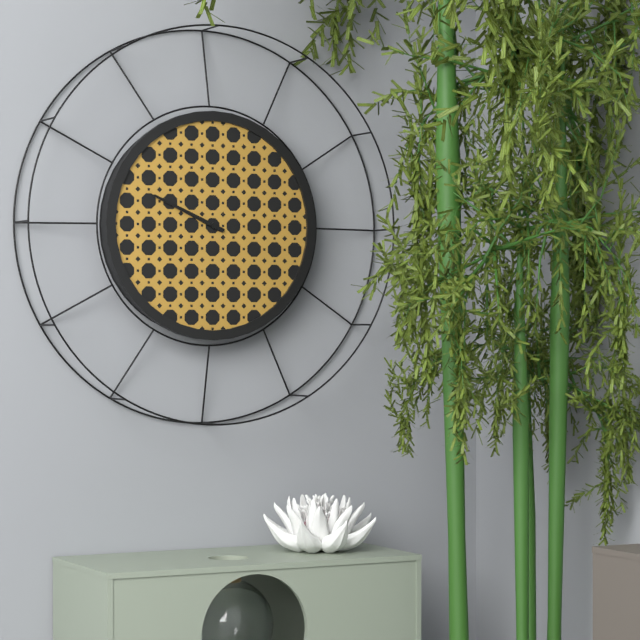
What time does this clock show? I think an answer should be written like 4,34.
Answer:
9,49
